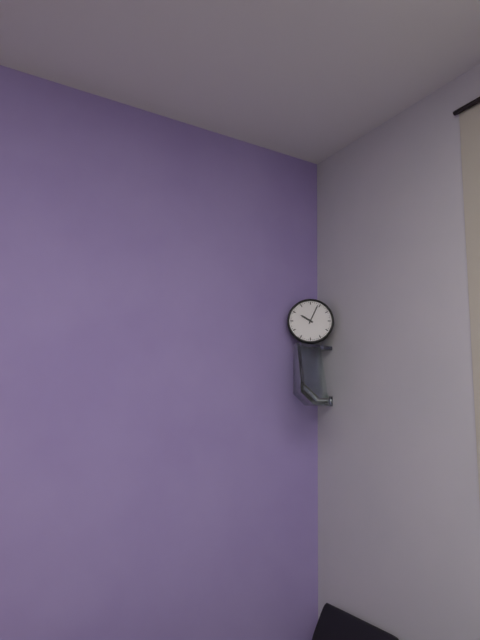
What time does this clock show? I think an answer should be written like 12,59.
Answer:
10,04
